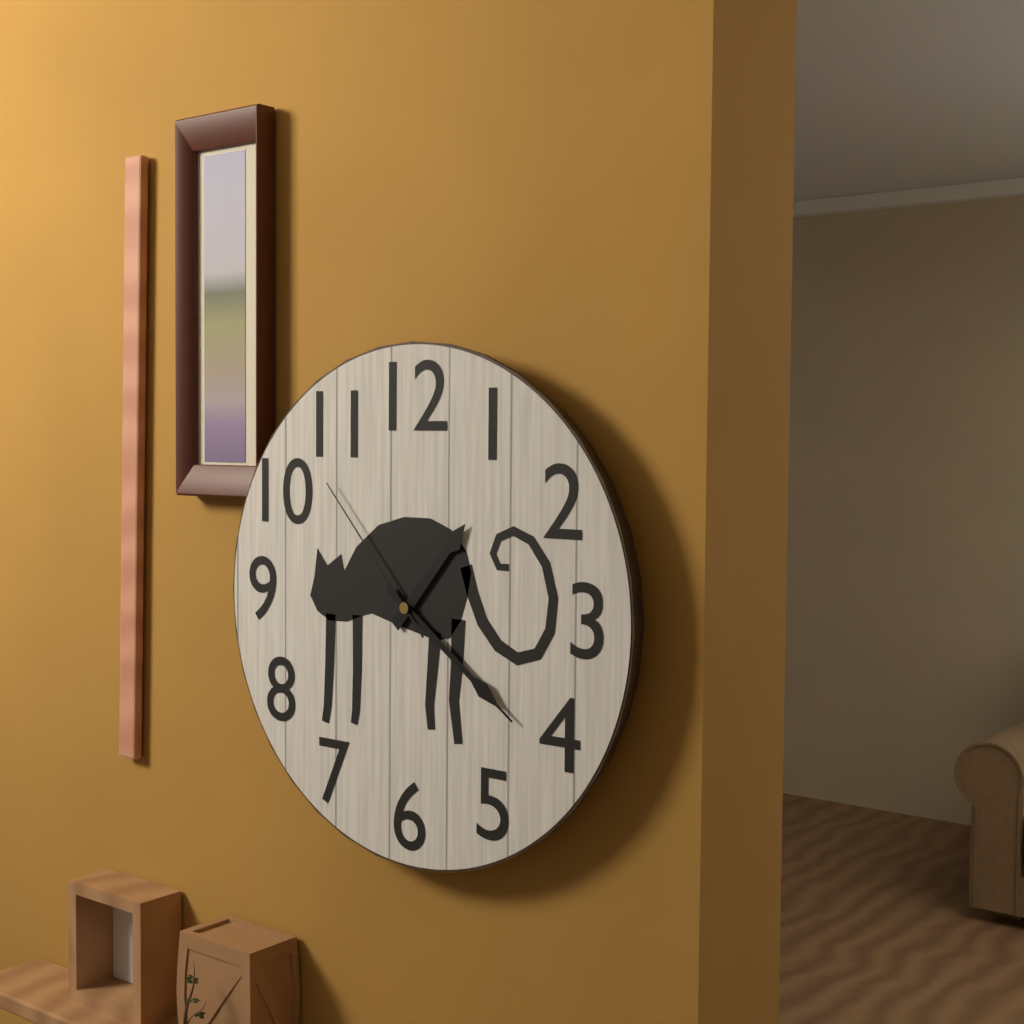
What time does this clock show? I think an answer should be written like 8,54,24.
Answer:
1,21,53
